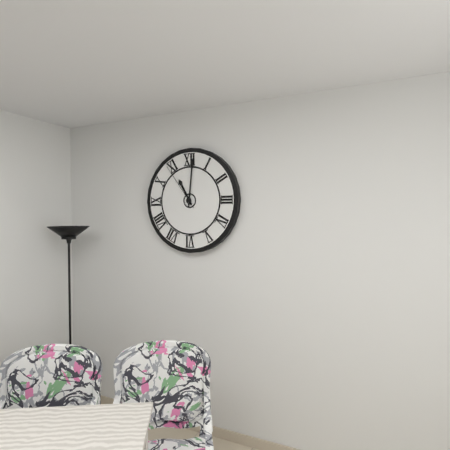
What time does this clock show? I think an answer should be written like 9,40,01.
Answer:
11,01,54
